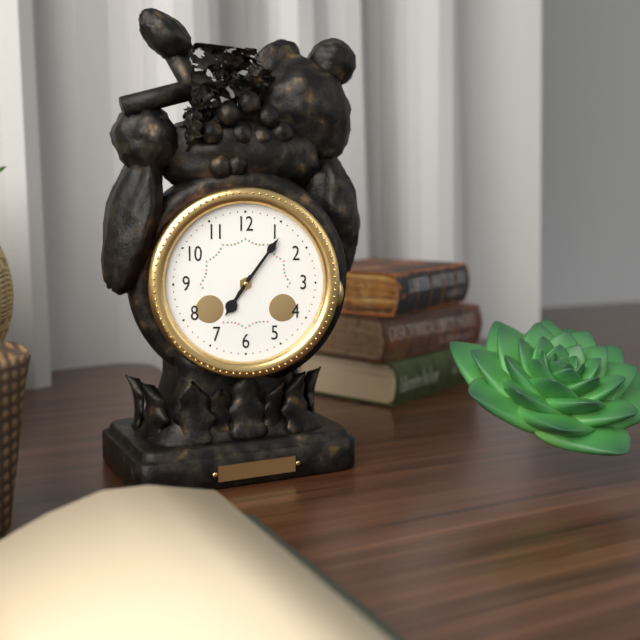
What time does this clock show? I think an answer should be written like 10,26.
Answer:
7,06
